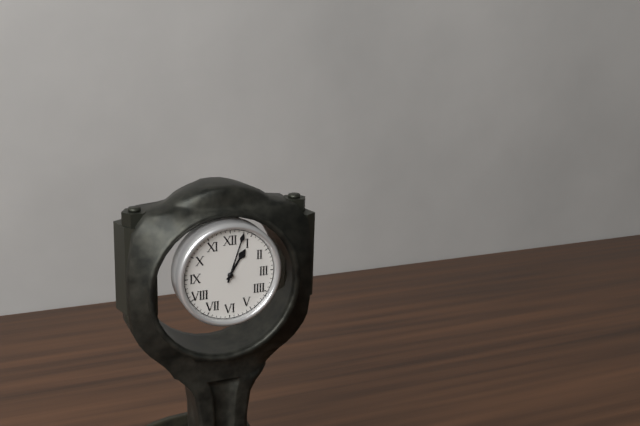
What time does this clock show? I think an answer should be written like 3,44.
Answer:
1,03
